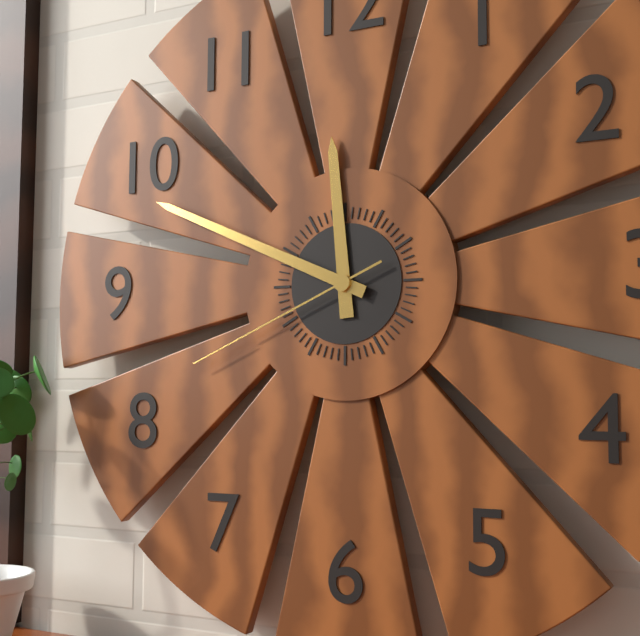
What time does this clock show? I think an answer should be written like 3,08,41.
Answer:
11,49,41
